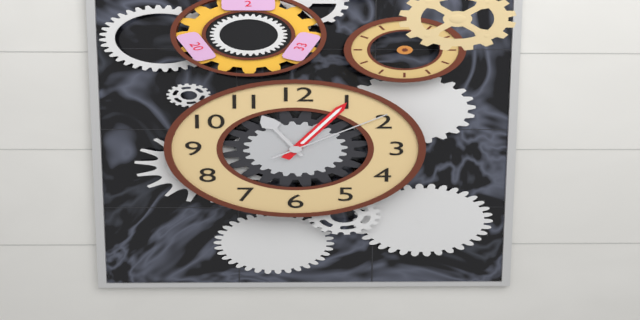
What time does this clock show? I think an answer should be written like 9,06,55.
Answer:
11,05,09
